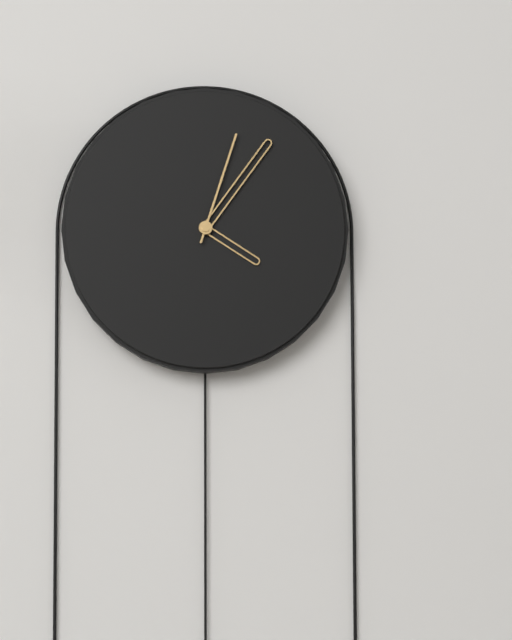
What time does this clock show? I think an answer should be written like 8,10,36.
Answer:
4,06,03
